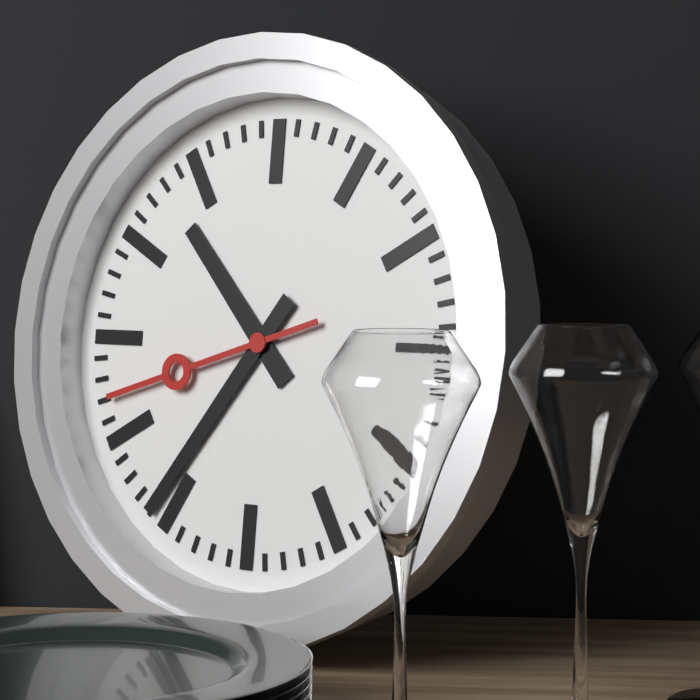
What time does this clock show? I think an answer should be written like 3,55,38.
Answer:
10,36,42
